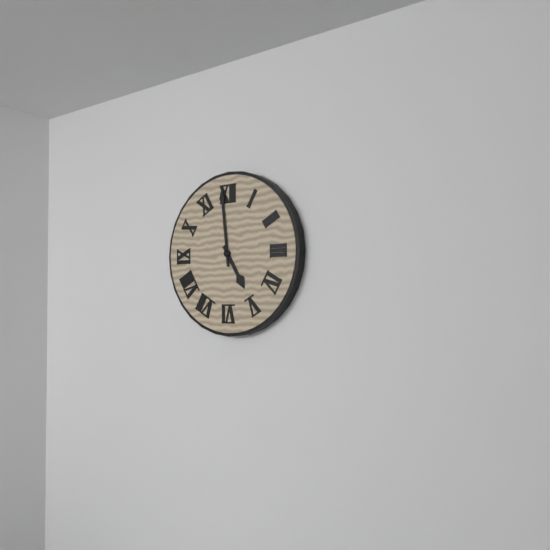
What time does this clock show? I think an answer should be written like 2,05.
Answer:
4,59
